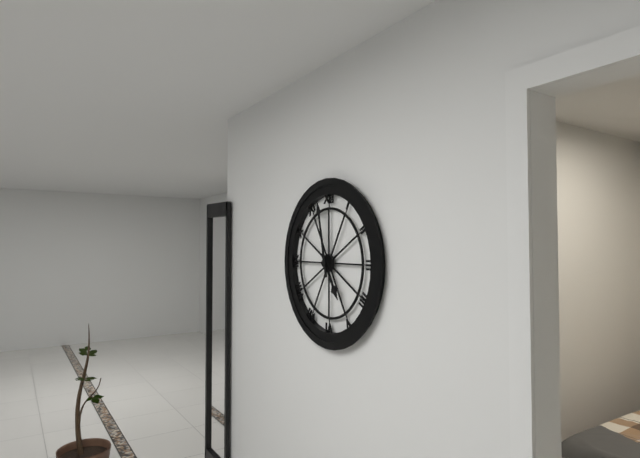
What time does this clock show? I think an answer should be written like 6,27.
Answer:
4,58
